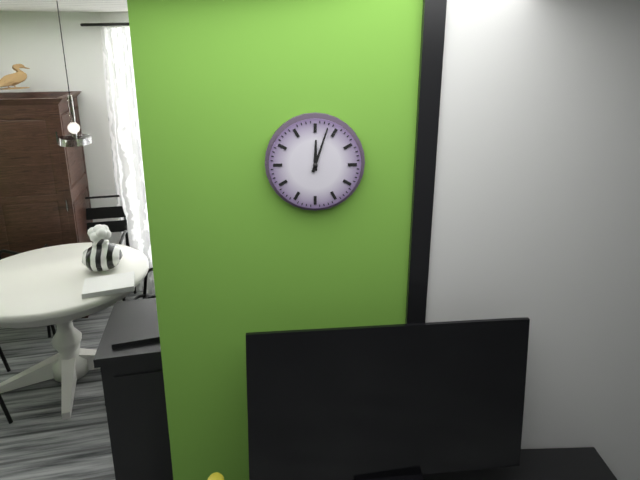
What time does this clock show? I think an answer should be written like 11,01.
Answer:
12,03
